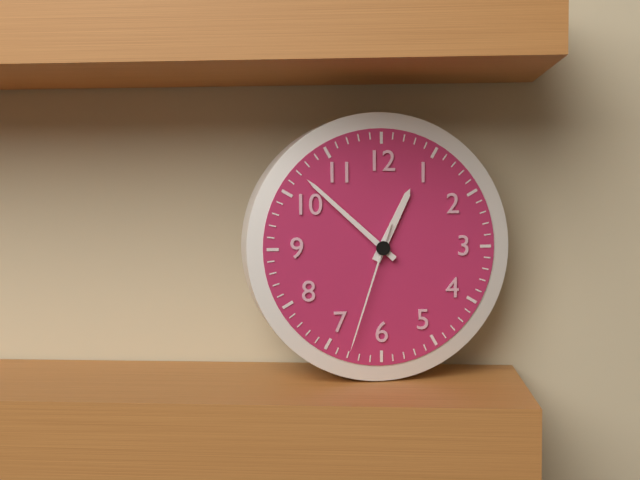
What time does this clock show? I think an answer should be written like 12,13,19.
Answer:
12,52,33
